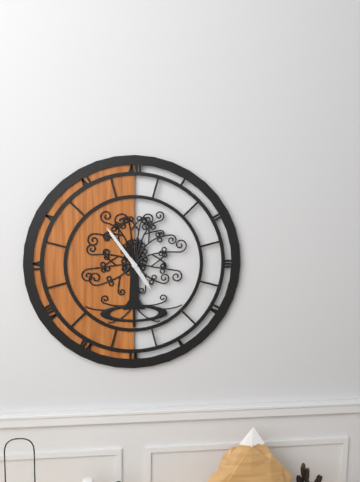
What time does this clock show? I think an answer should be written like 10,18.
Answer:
4,54
